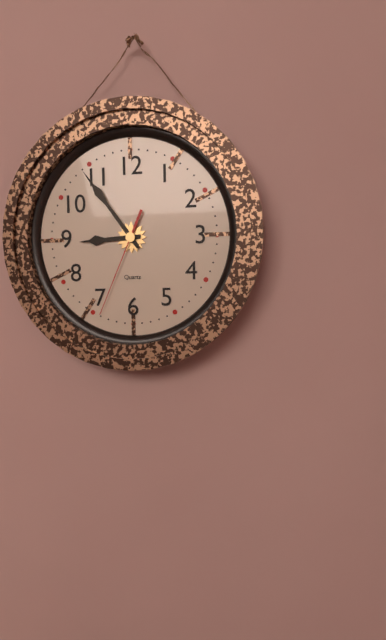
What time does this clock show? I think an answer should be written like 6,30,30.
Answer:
8,54,34
